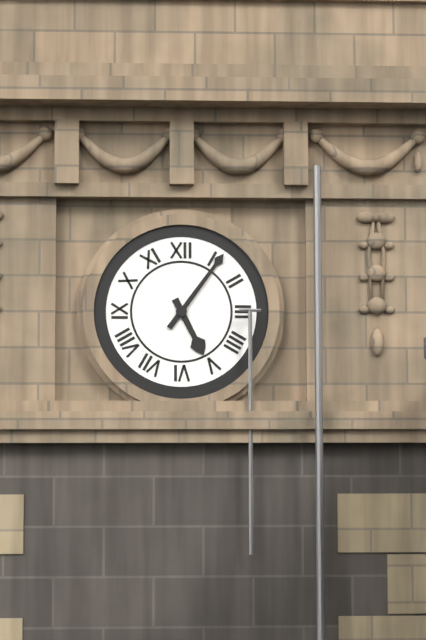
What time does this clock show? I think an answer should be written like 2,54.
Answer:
5,06
